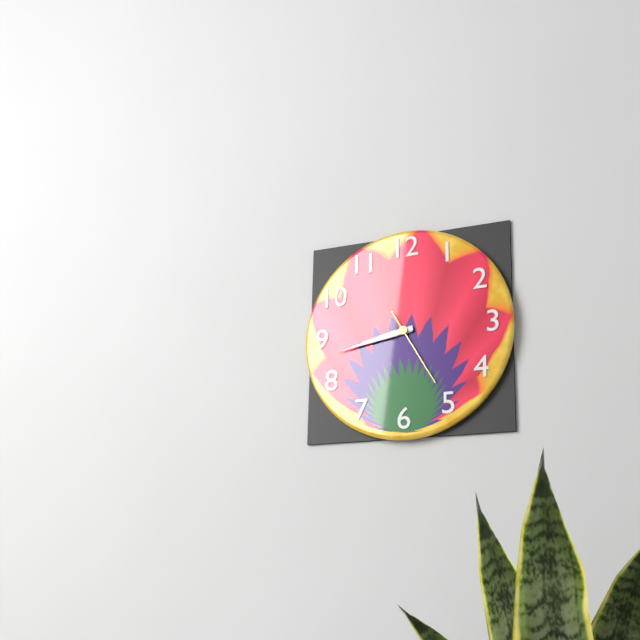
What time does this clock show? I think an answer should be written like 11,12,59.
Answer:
8,43,25
